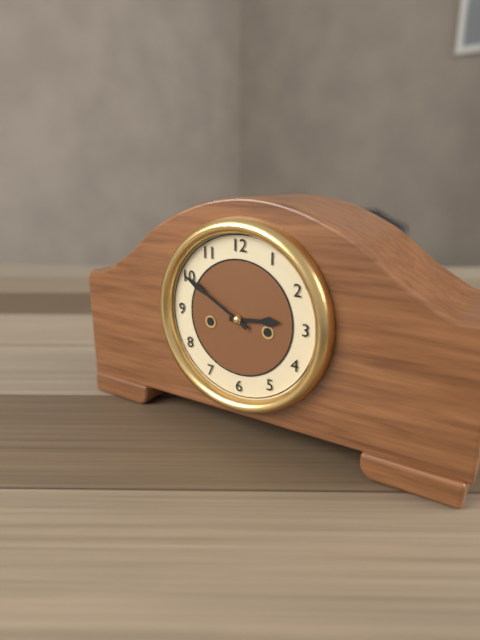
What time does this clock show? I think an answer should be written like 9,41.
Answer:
2,50
